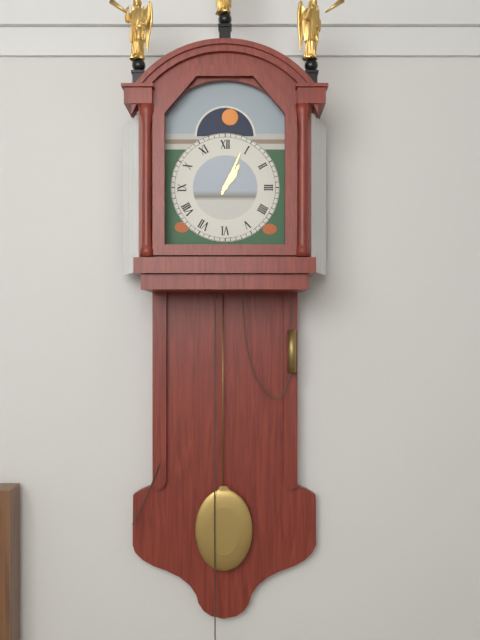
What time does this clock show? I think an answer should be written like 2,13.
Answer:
1,04
